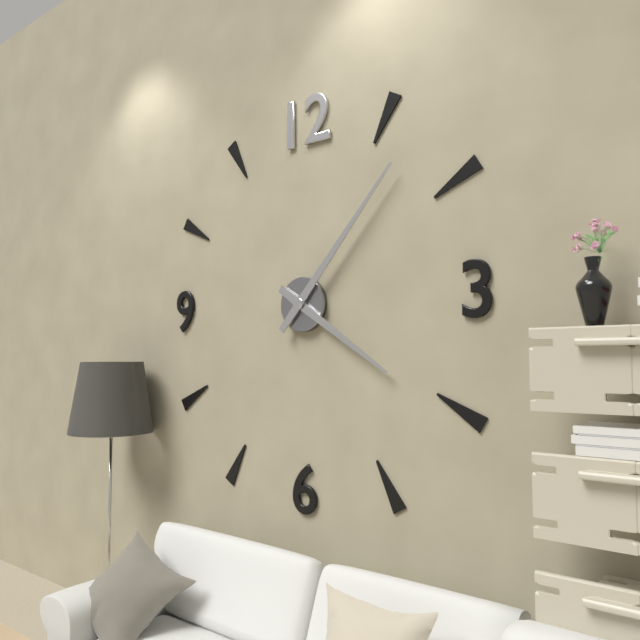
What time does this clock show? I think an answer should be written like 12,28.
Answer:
4,07
